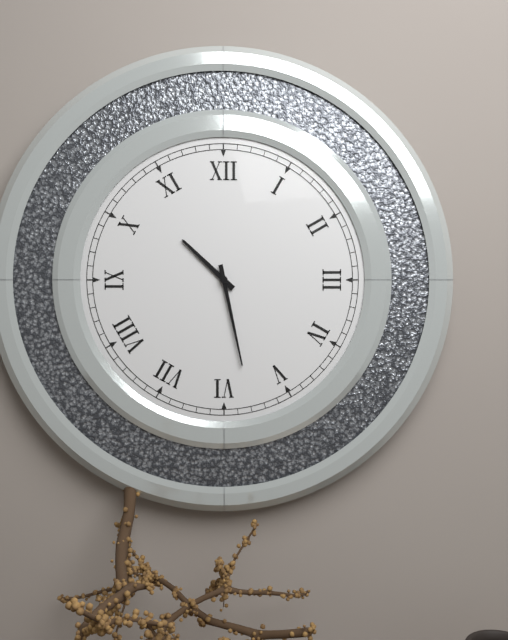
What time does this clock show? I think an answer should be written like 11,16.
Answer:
10,28
